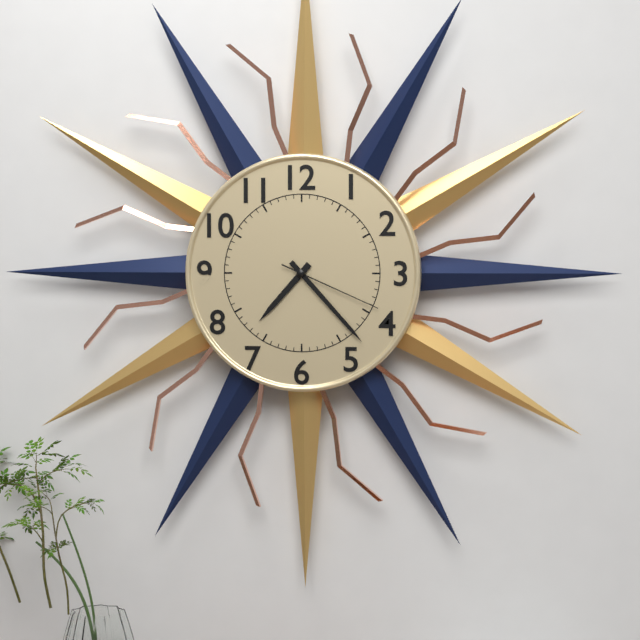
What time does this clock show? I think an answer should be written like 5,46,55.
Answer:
7,23,19
